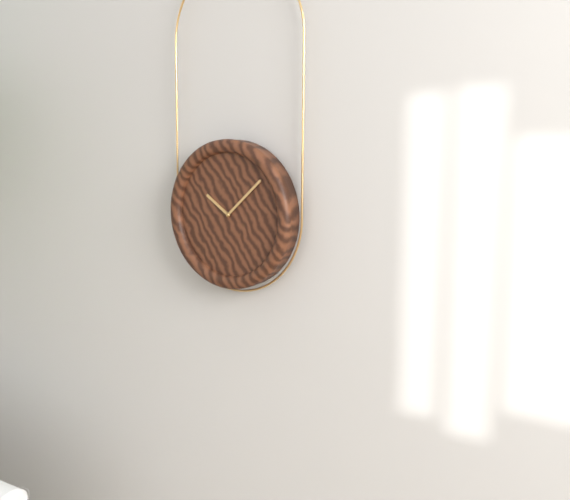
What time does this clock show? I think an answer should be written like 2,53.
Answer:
10,08
